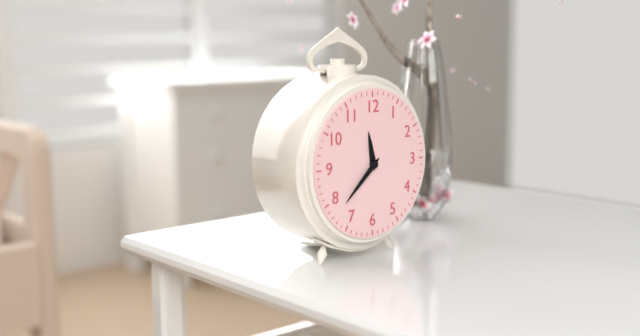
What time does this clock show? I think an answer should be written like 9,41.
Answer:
11,38
